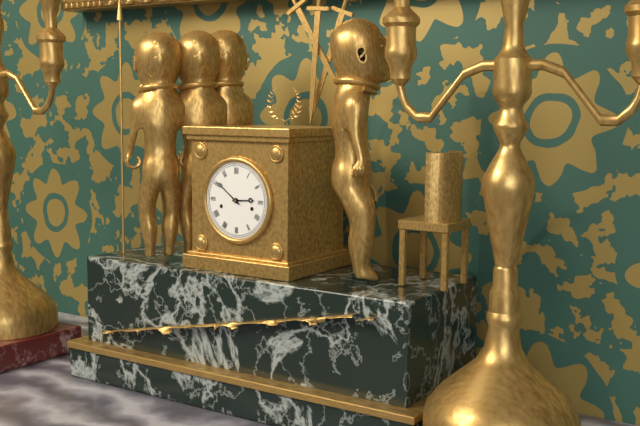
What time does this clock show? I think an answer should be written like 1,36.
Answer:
2,51
